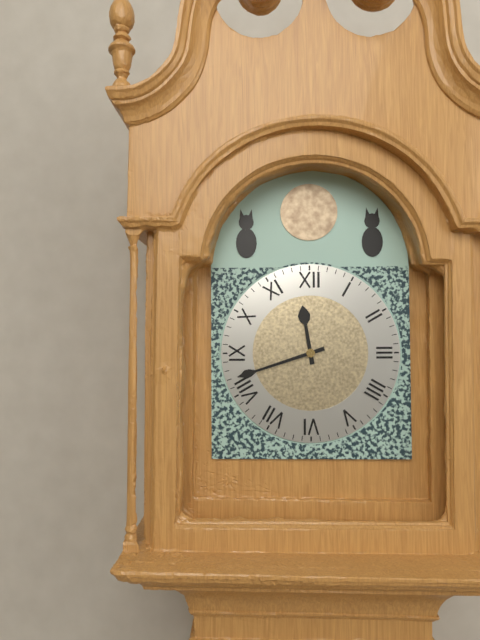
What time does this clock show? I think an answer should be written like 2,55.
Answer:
11,42
